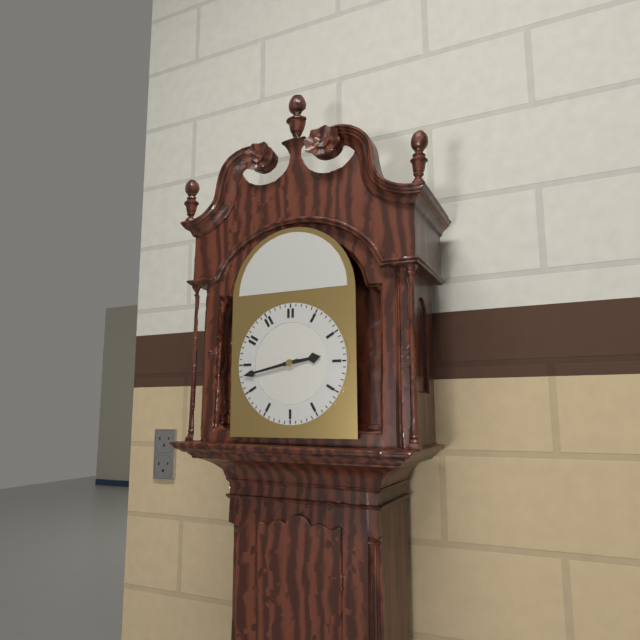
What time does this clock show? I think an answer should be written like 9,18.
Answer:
2,43
